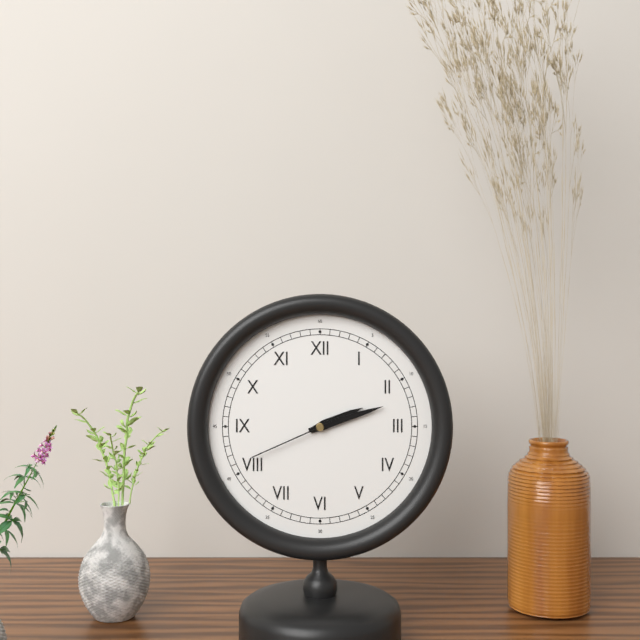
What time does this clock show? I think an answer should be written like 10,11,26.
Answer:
2,12,41
